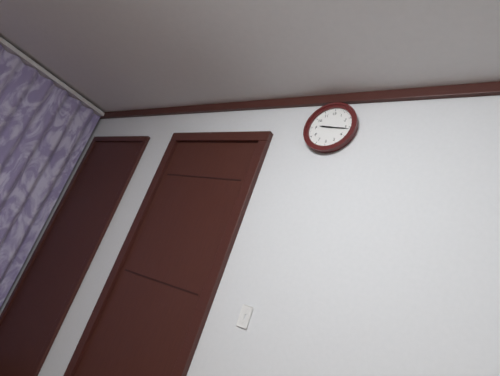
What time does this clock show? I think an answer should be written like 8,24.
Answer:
9,16
